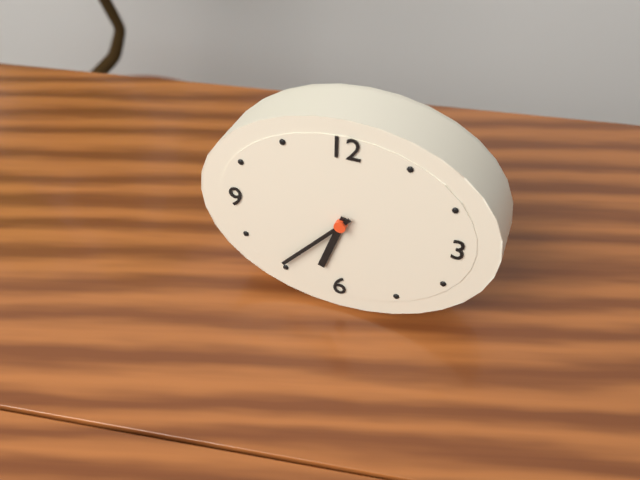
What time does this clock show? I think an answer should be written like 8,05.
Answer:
6,37
